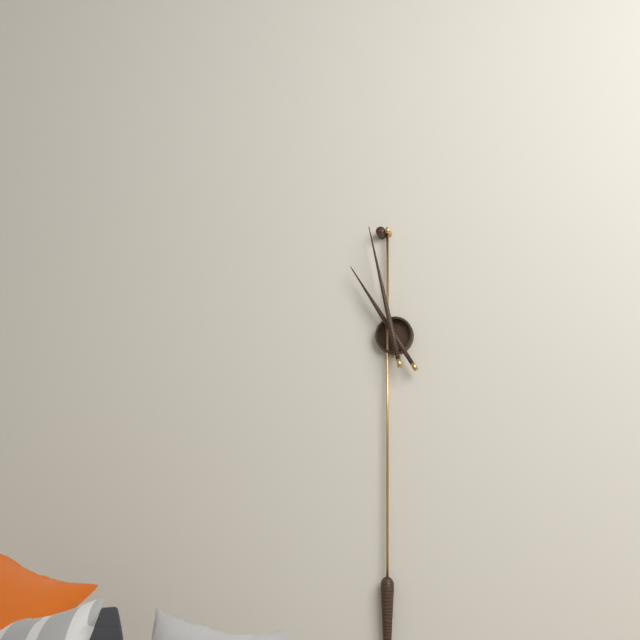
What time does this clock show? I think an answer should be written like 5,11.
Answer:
10,58
